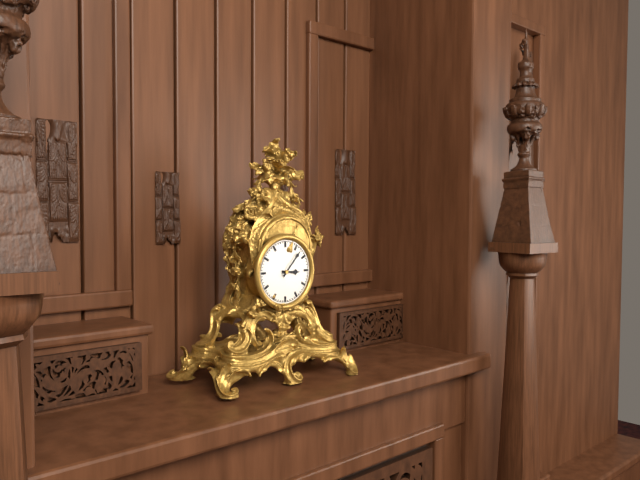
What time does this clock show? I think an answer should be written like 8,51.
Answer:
3,07
